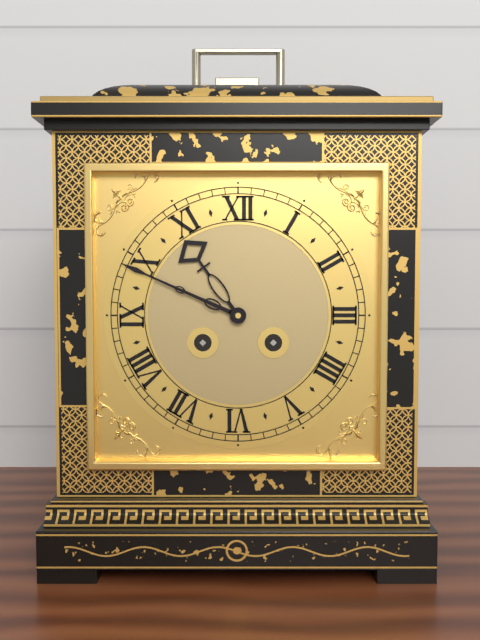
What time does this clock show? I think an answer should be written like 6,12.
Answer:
10,49
